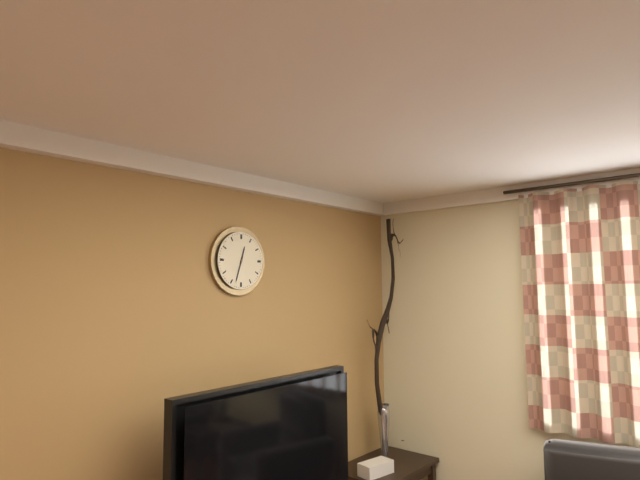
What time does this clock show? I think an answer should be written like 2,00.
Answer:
12,33
